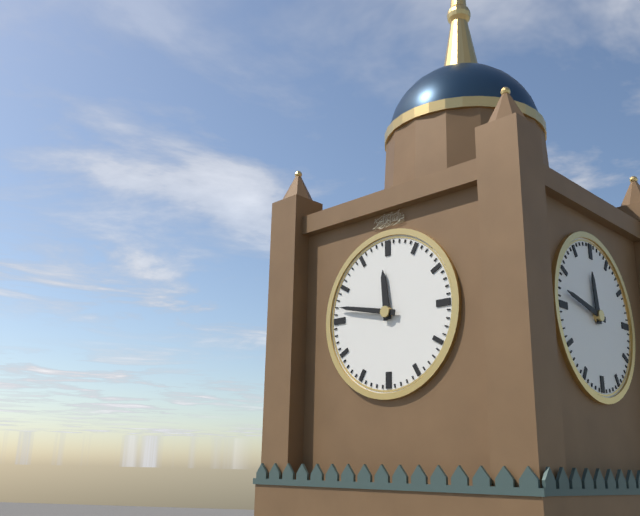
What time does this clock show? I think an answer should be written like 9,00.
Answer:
11,47
